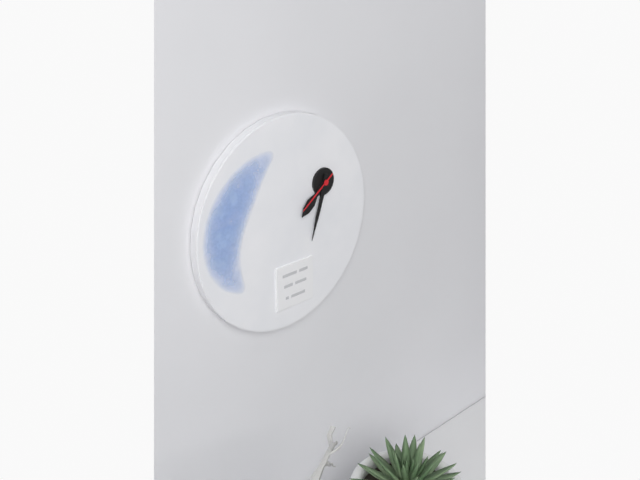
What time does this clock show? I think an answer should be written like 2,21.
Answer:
7,33
